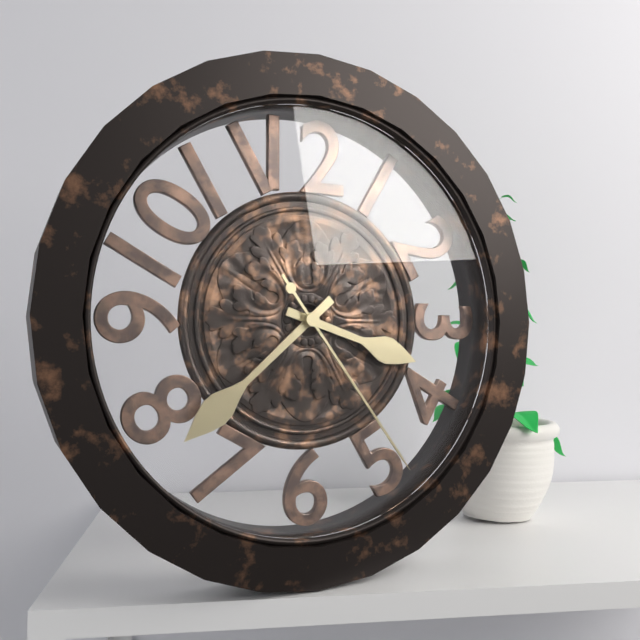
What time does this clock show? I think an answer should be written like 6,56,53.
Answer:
3,38,24
